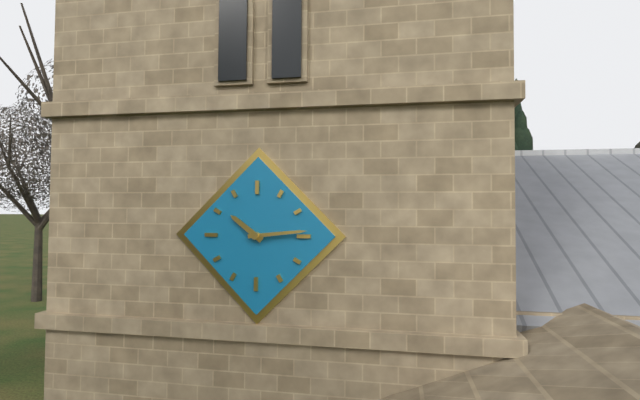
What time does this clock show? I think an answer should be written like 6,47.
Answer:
10,14
